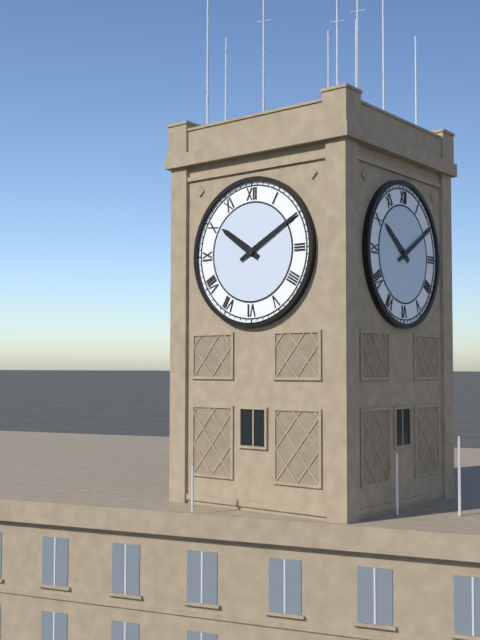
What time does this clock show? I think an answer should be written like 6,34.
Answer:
10,10
